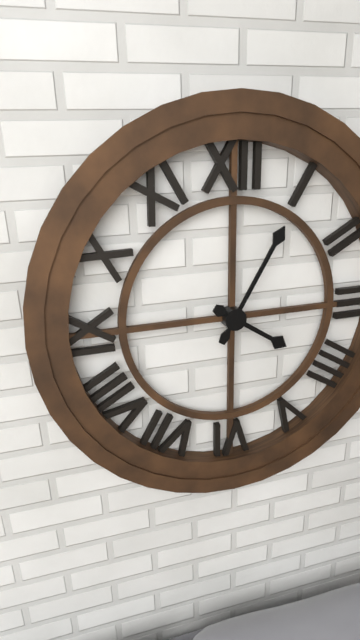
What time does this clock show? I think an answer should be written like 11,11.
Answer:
4,05
